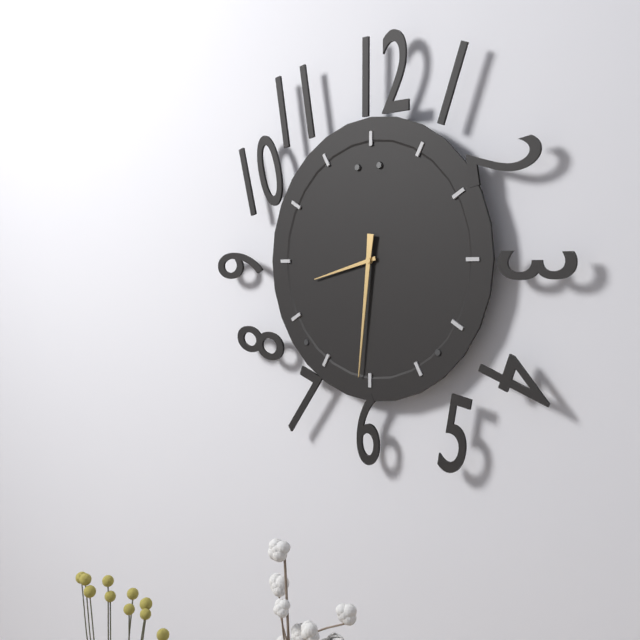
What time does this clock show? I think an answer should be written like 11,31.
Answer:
8,31
